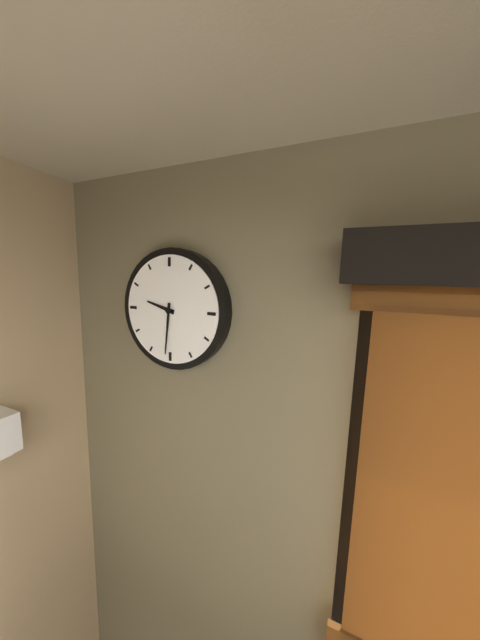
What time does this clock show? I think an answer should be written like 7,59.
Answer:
9,31
